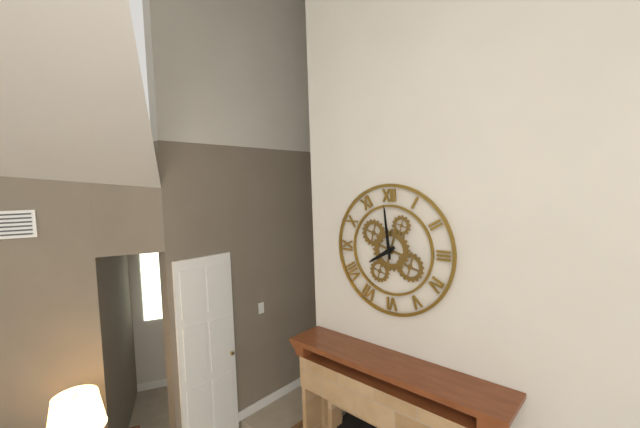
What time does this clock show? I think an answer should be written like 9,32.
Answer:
7,59
